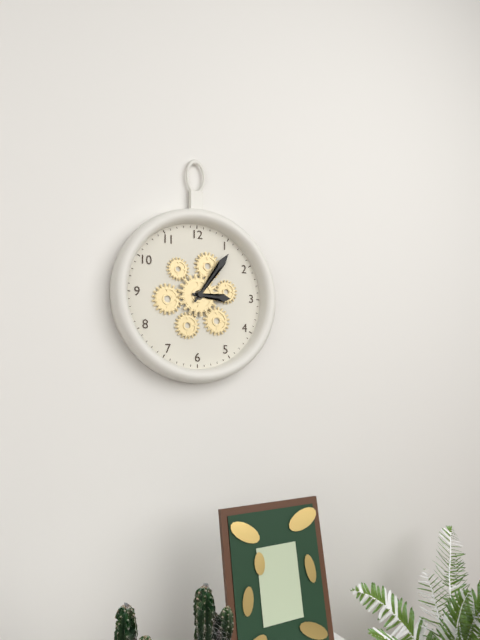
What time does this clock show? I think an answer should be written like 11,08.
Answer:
3,06
